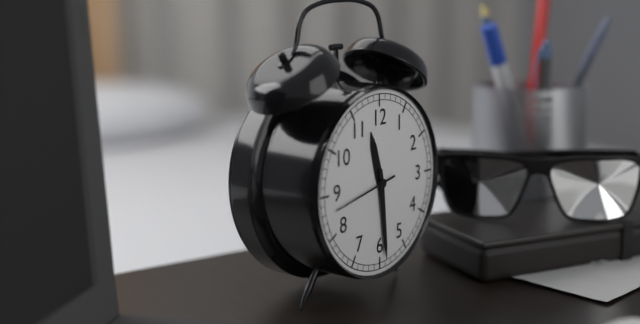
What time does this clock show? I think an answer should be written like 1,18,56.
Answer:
11,29,43
